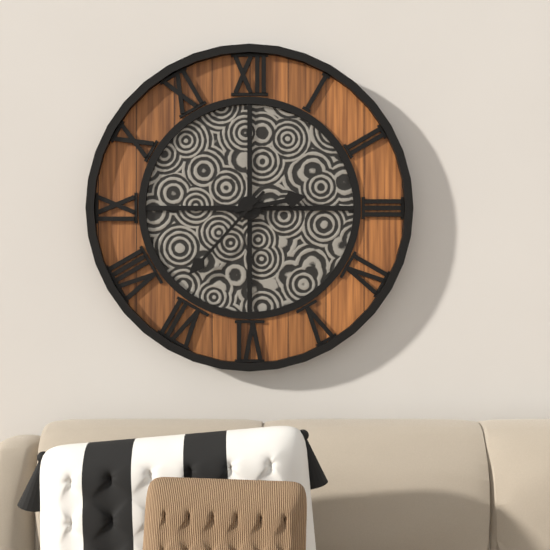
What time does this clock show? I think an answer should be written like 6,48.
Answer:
2,37
